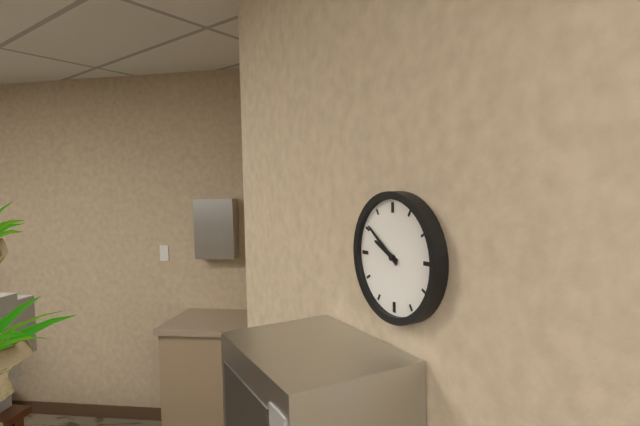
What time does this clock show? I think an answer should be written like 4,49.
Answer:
9,51
